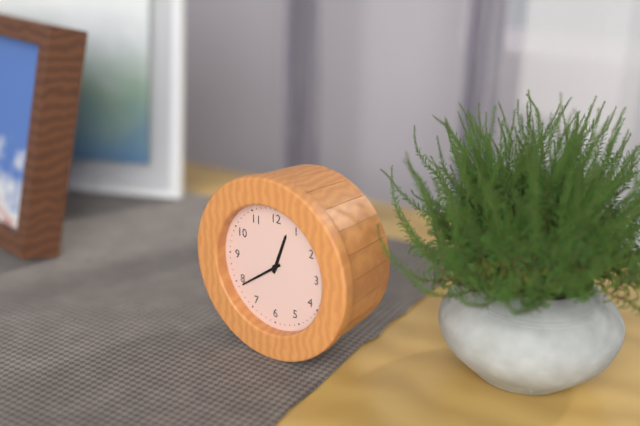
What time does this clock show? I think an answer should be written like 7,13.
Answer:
12,39
